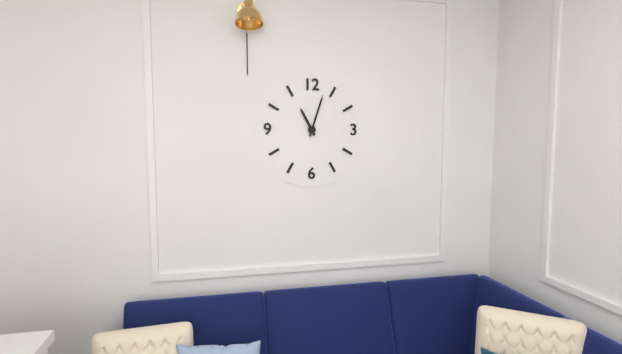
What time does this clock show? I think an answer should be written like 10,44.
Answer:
11,03
